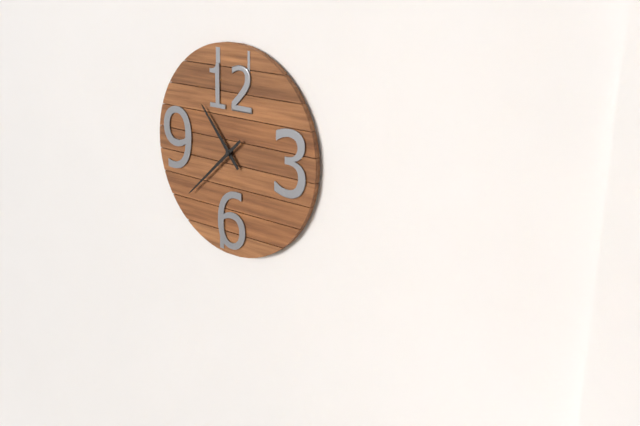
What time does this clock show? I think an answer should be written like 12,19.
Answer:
10,38
